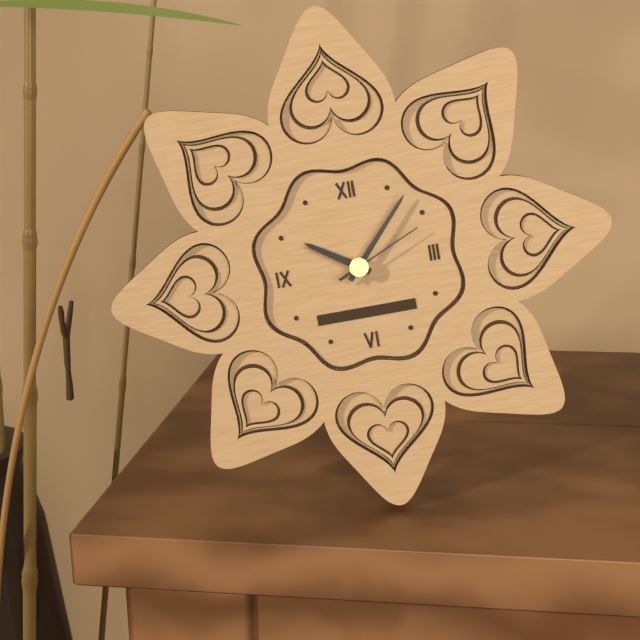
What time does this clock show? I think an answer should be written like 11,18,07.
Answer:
10,07,11
